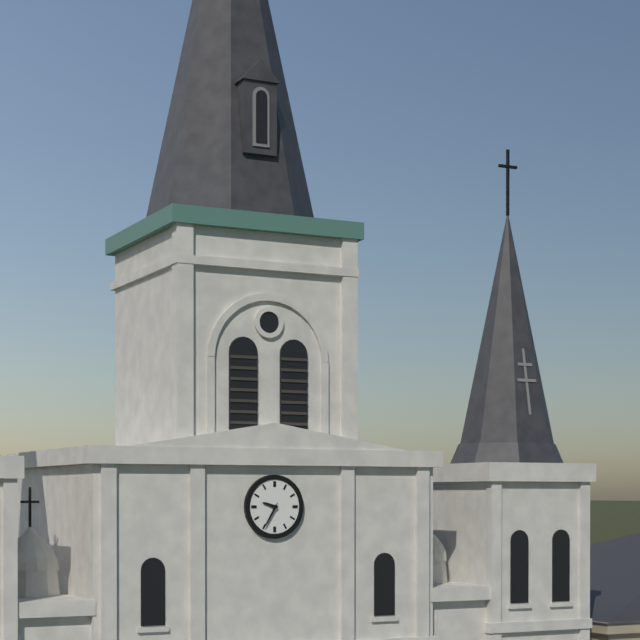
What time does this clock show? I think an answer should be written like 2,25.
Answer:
9,35
